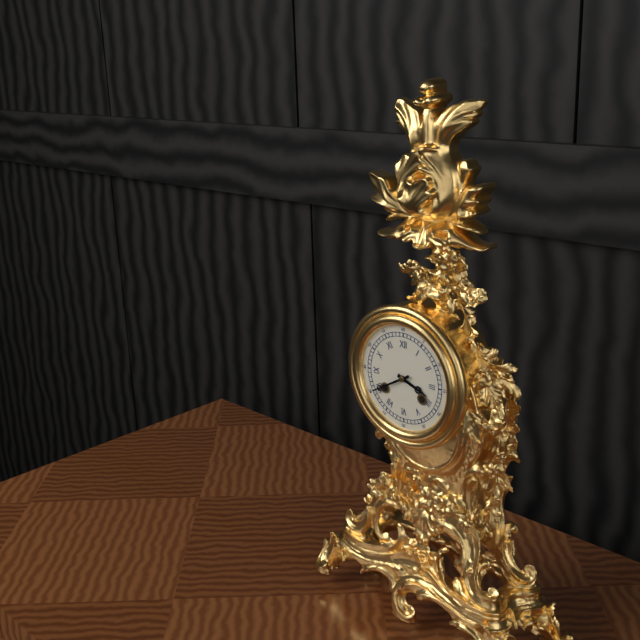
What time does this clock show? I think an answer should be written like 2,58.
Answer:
3,40
